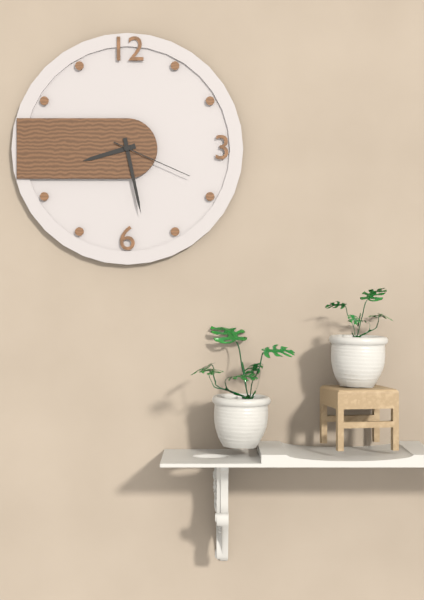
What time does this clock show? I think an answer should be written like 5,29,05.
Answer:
8,28,19
